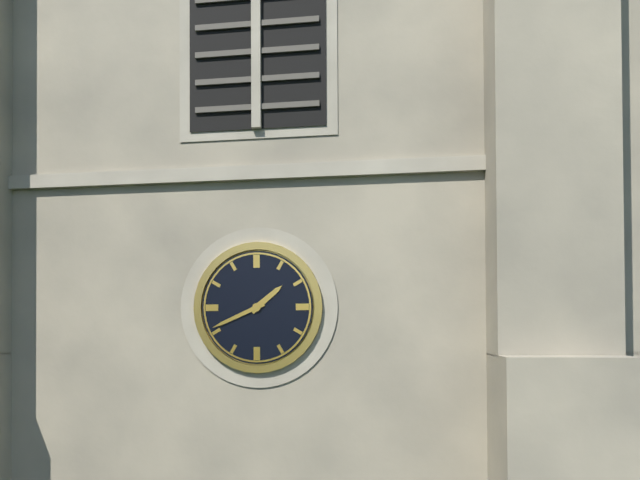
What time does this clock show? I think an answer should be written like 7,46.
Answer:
1,41
